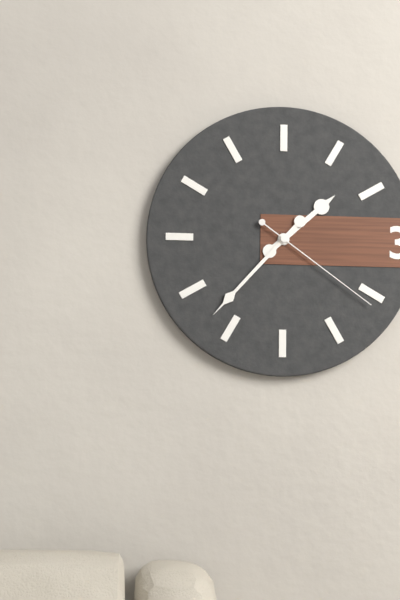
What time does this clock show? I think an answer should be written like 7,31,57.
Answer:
1,37,21
